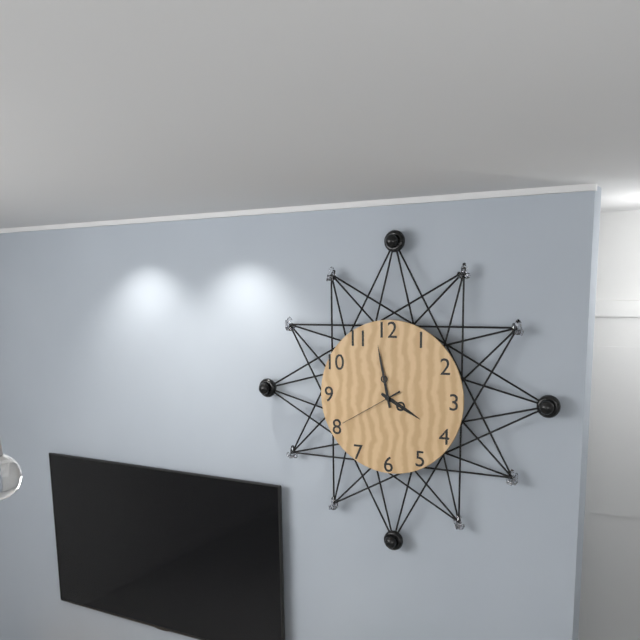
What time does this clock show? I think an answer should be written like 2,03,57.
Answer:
3,58,40
